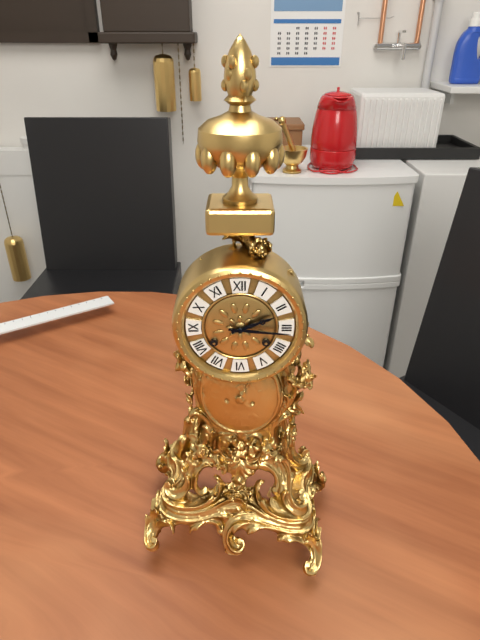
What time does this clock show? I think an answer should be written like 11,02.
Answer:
2,16
